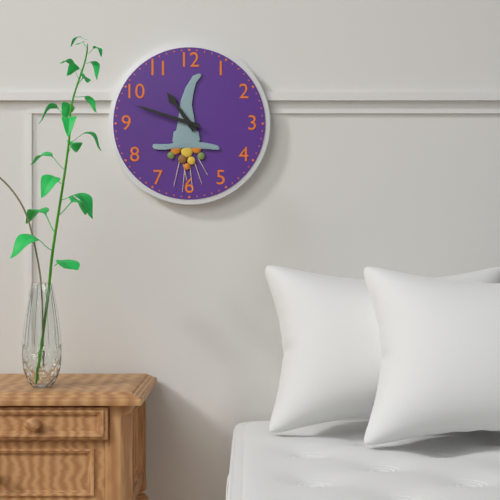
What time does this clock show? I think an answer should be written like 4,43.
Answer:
10,48
